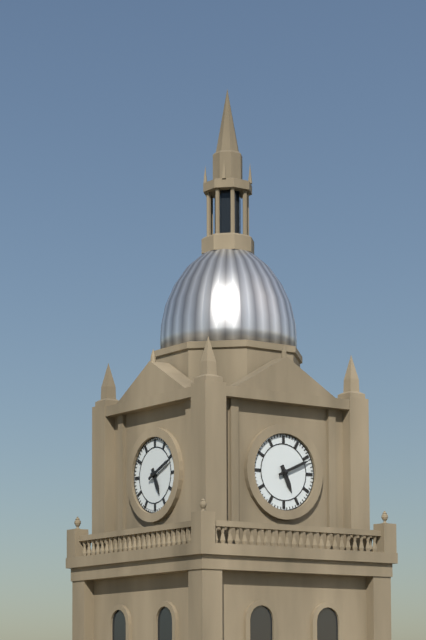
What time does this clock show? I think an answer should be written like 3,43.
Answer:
5,11
